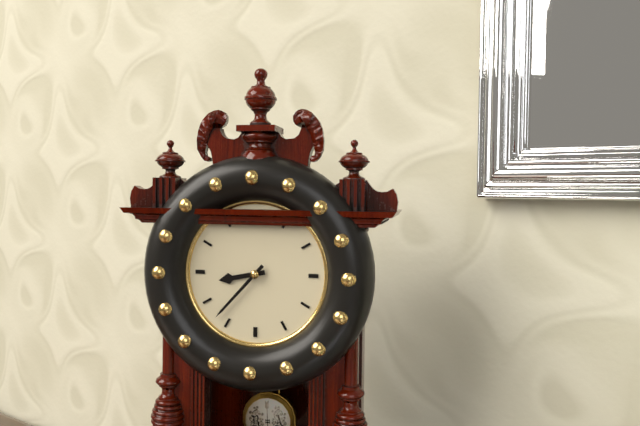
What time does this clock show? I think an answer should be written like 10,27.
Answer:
8,37
